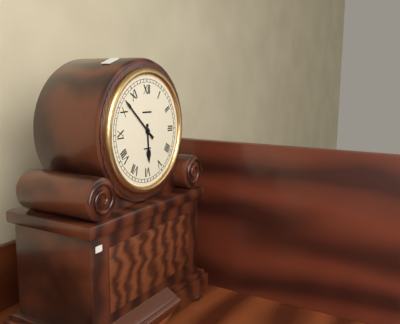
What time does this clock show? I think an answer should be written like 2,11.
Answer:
5,52
